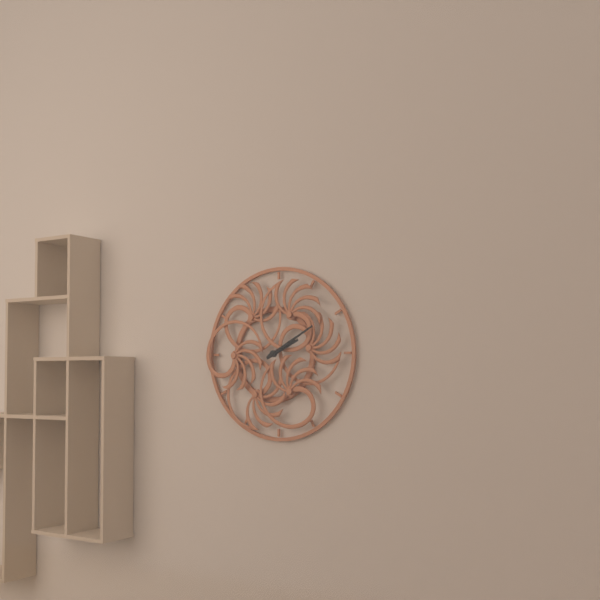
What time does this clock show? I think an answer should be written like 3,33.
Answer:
2,10
